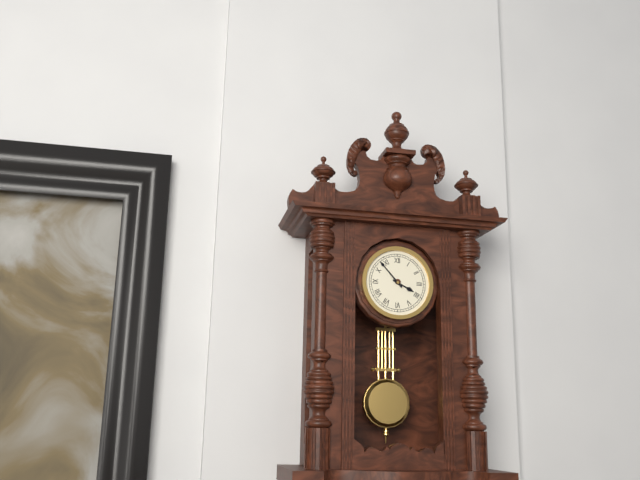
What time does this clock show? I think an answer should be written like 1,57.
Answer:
3,53
